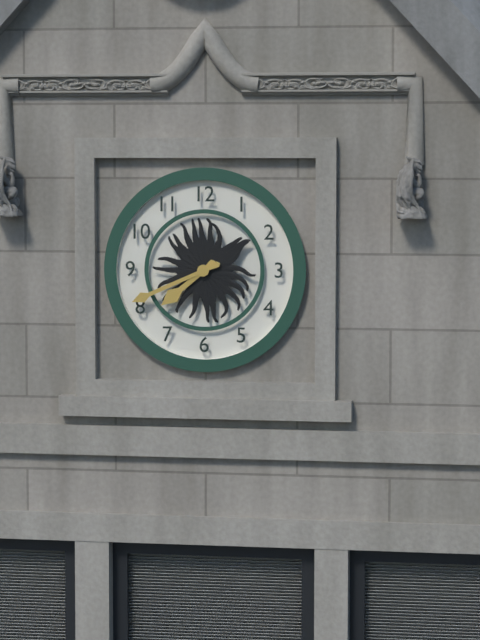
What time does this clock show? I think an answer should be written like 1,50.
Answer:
7,41
